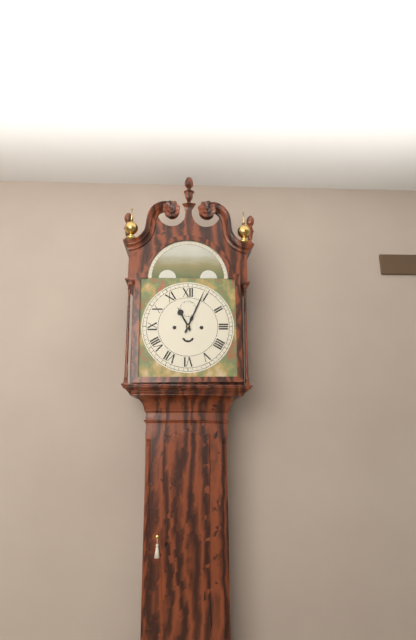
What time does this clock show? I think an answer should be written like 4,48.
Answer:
11,04
